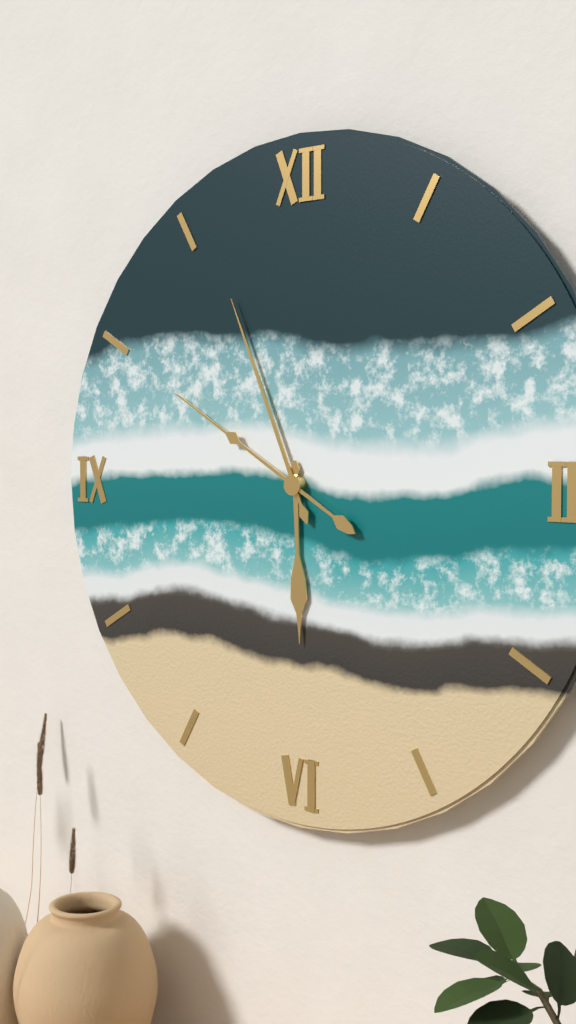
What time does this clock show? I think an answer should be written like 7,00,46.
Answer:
5,56,50
